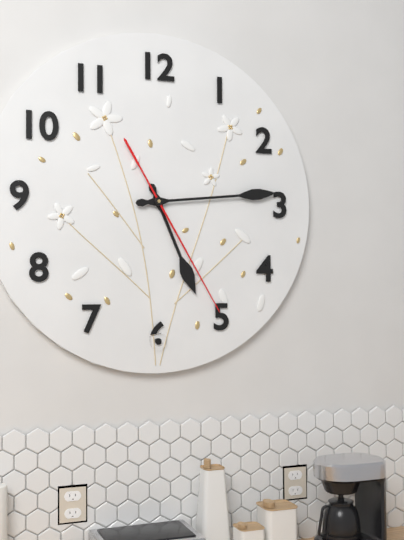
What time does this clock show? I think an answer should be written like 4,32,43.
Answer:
5,14,25
